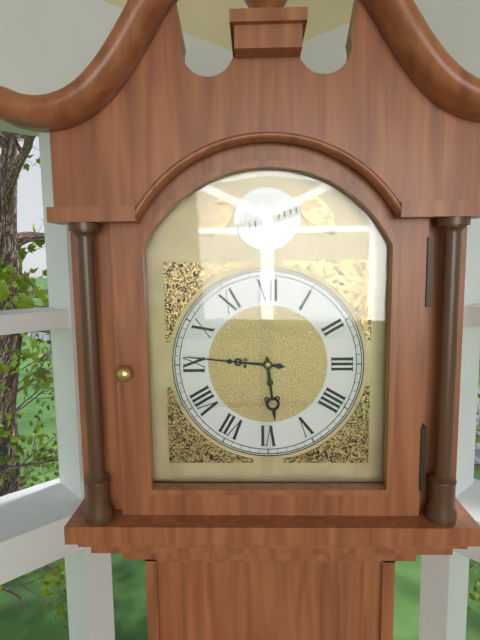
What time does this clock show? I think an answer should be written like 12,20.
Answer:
5,46
